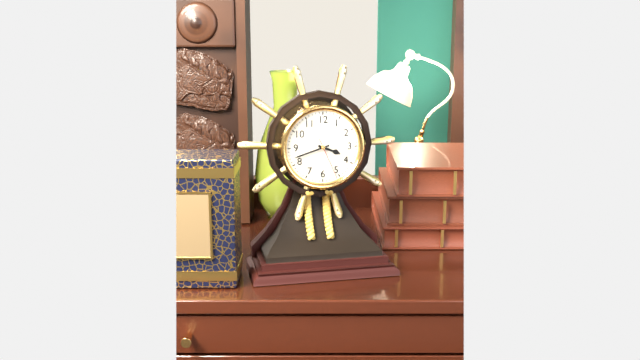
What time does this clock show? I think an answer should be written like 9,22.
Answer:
3,42
